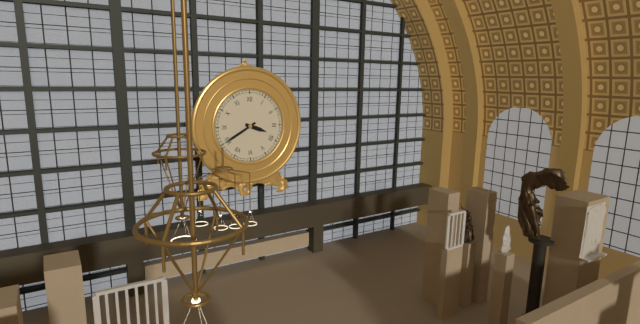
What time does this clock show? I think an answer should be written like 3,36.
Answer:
3,40
